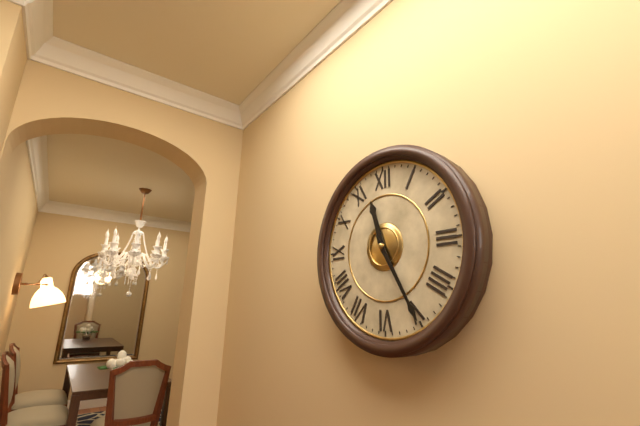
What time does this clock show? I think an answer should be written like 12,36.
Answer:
11,25
